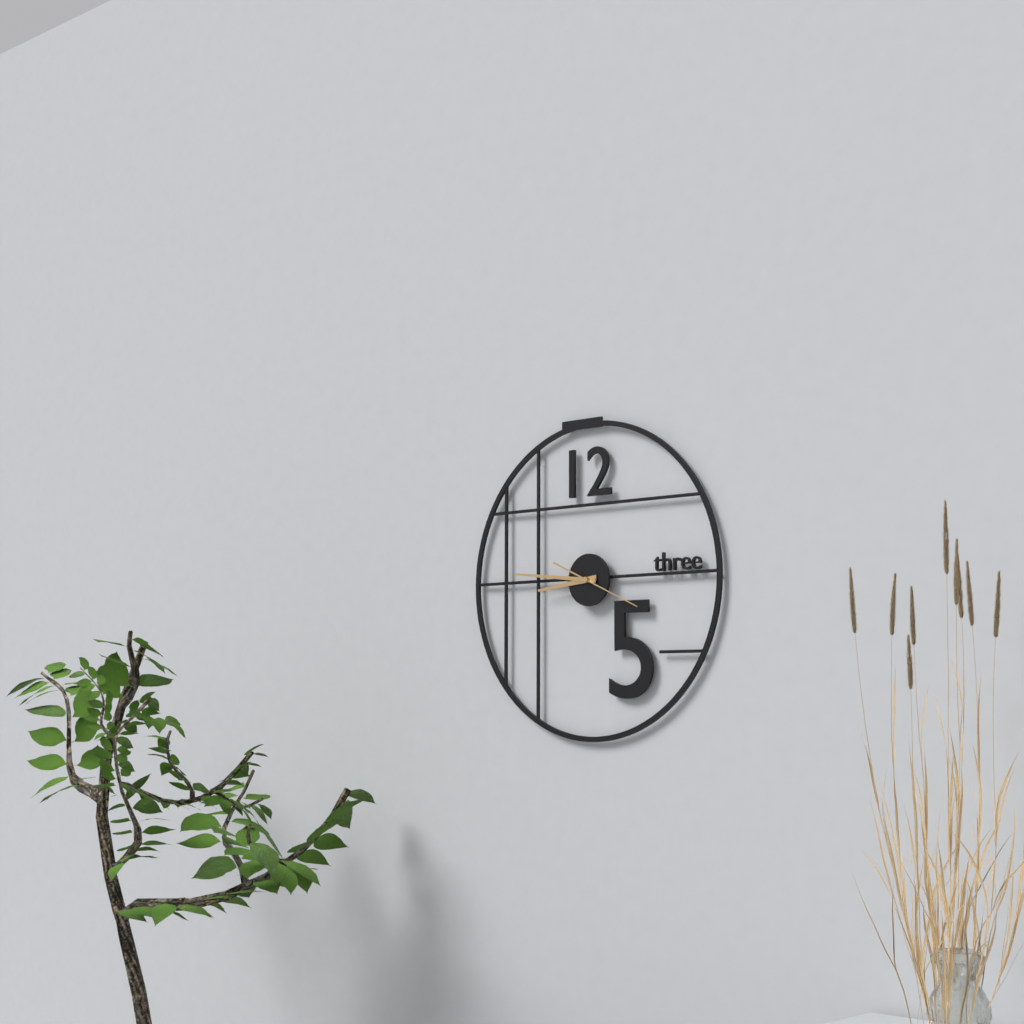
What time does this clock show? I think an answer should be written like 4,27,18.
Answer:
8,46,19
